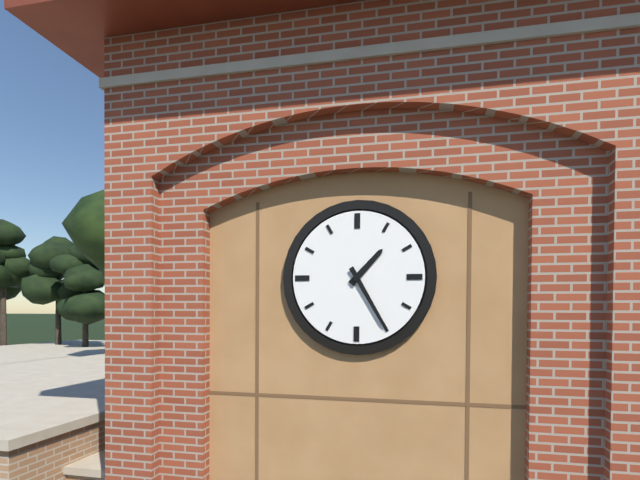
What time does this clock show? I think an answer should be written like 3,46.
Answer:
1,25
